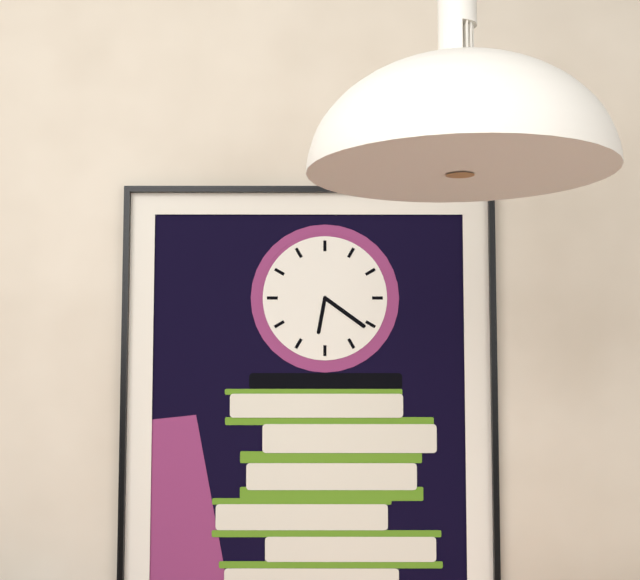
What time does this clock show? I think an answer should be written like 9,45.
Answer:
6,21
